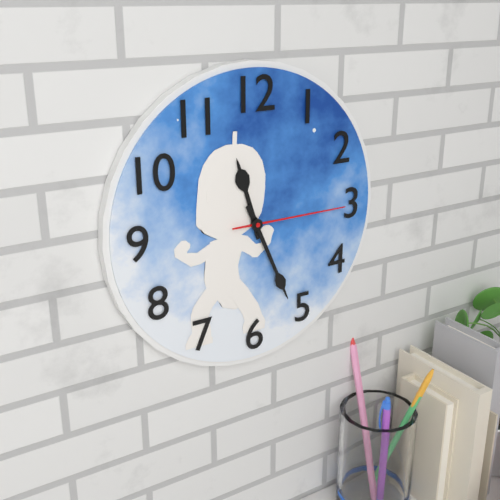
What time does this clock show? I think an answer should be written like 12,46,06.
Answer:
11,26,15
